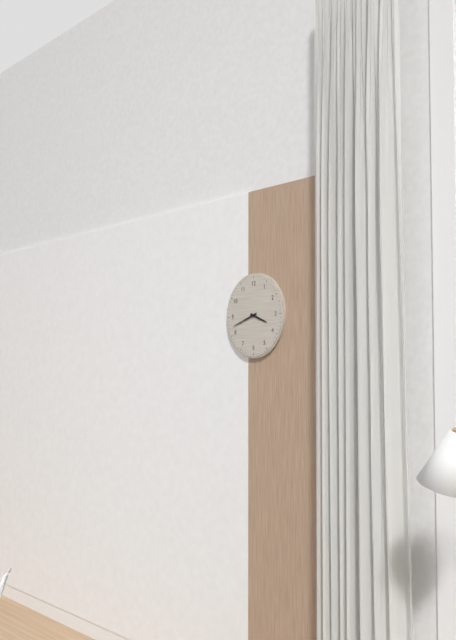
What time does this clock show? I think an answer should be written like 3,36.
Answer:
3,42
